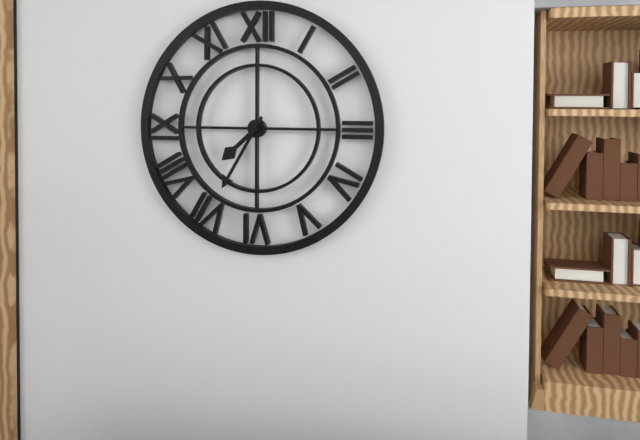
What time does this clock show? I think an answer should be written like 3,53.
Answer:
7,35
